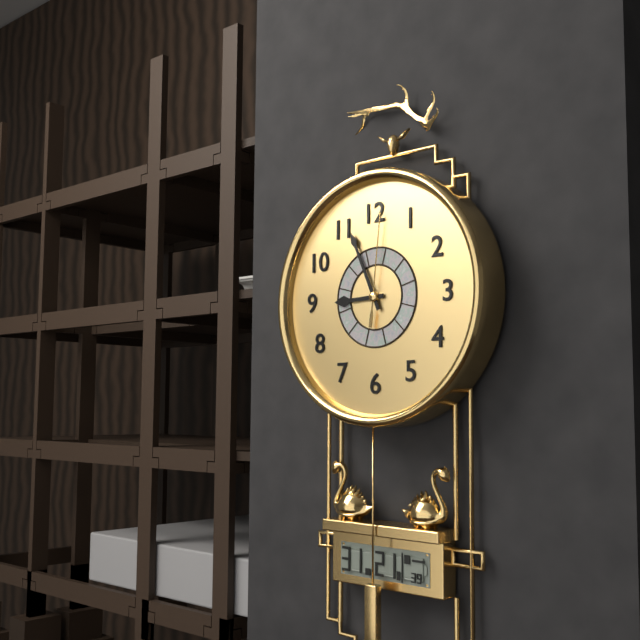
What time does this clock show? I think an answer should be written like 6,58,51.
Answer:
8,56,01
